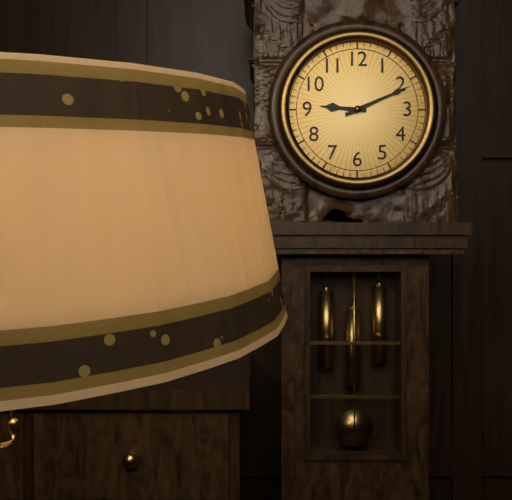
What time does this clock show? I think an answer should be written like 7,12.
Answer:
9,11
